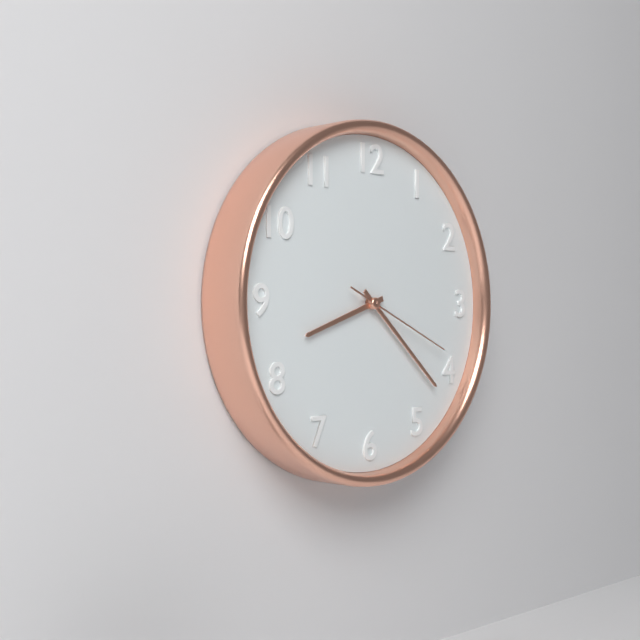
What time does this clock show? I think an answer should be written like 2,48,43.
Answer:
8,22,19
